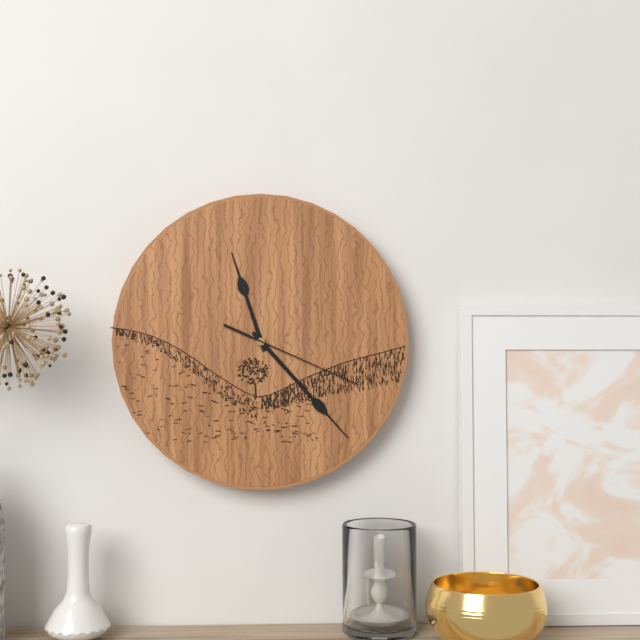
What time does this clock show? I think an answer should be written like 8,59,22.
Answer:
11,23,19
